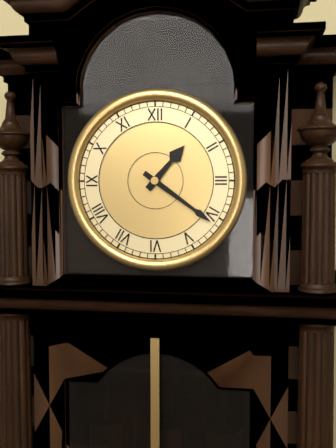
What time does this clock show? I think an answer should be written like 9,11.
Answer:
1,21
